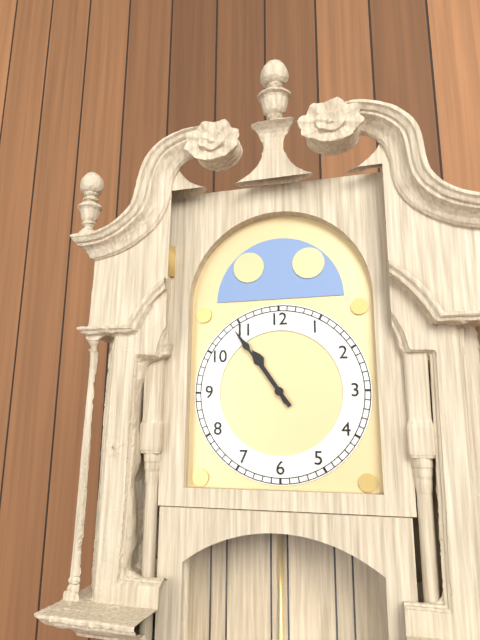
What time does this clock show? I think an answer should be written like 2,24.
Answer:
10,54
